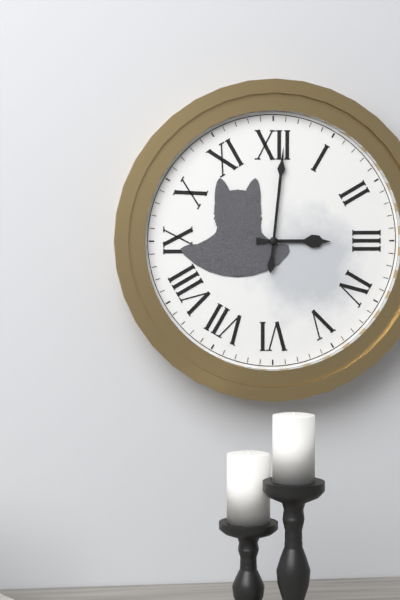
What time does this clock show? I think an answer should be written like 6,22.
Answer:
3,01
